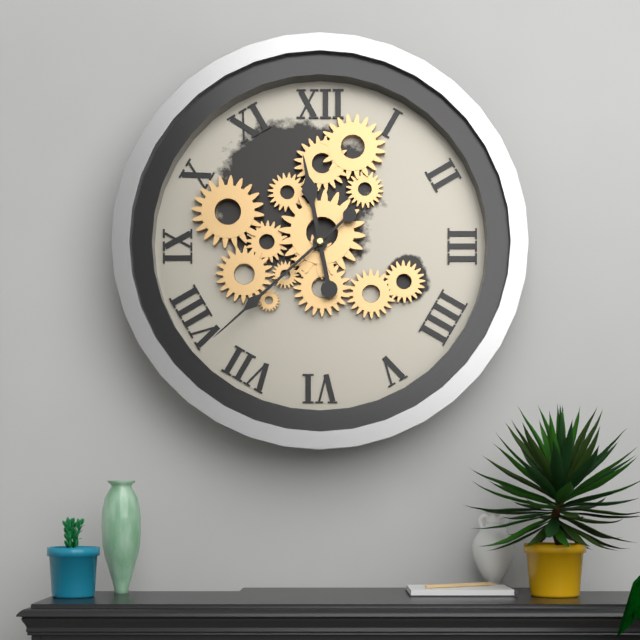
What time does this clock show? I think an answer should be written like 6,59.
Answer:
11,38
